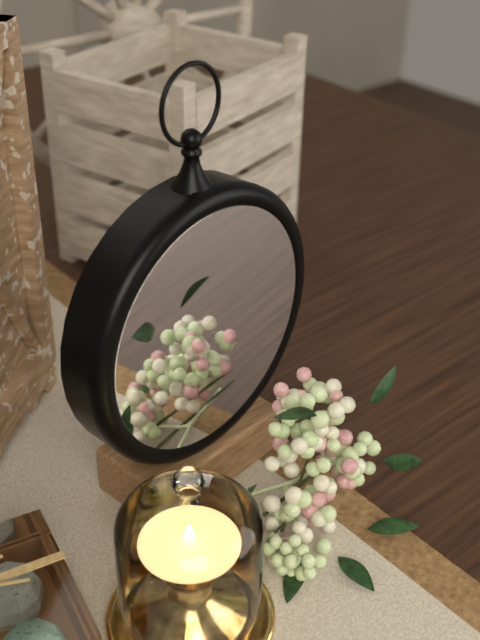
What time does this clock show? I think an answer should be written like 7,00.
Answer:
9,39
